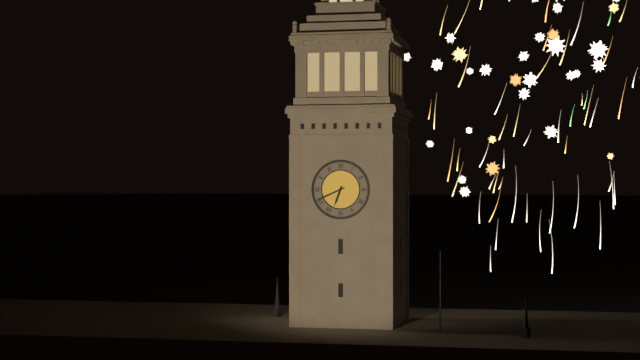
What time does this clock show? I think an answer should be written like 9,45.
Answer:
6,41
